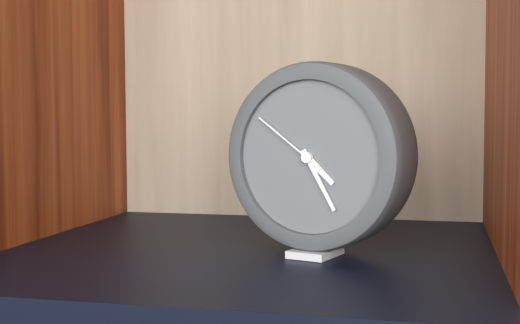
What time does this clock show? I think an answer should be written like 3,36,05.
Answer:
4,25,51
